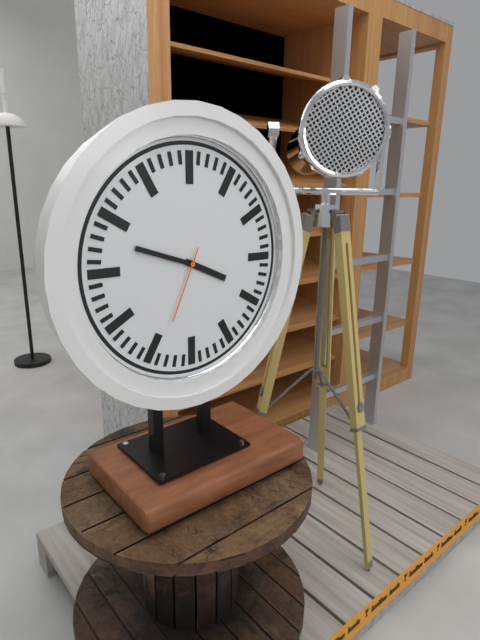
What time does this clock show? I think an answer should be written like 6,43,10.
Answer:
3,48,34
